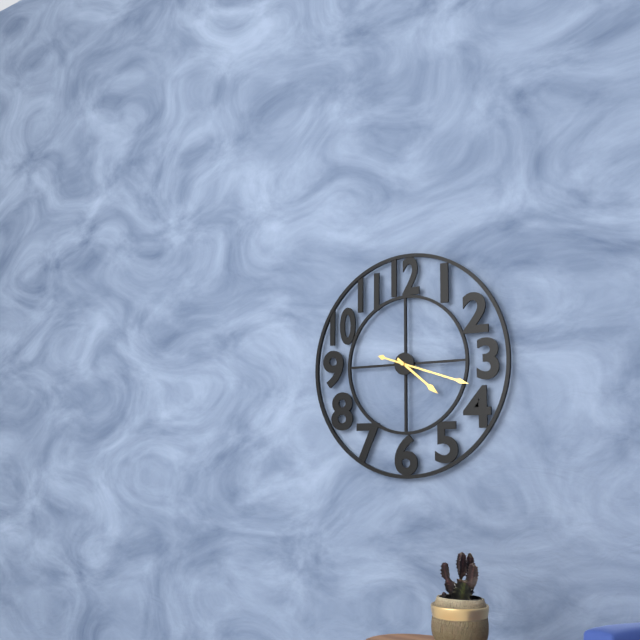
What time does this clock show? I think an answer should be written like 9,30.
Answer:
4,18
